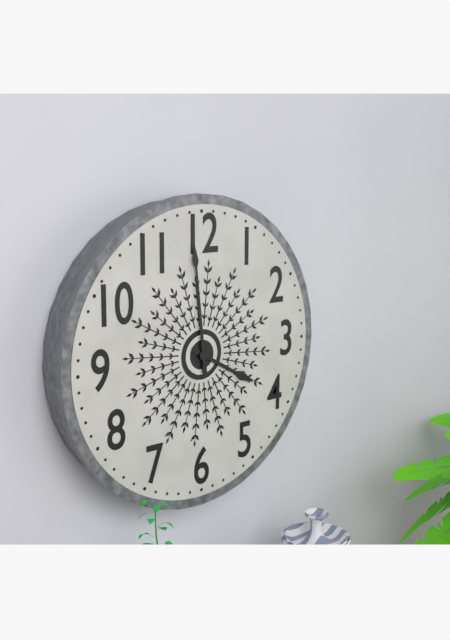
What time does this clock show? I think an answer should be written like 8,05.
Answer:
3,59
